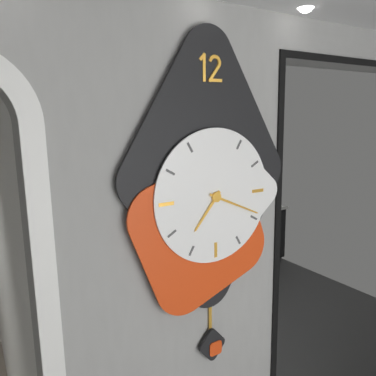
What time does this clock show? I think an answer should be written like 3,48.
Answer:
7,19
